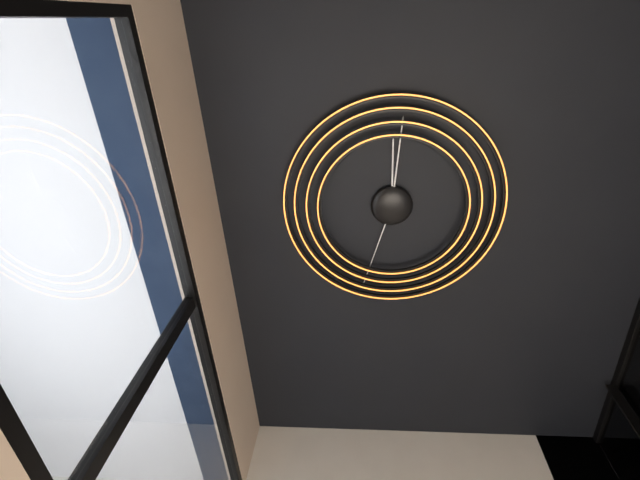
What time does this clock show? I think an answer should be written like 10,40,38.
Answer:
12,01,33
